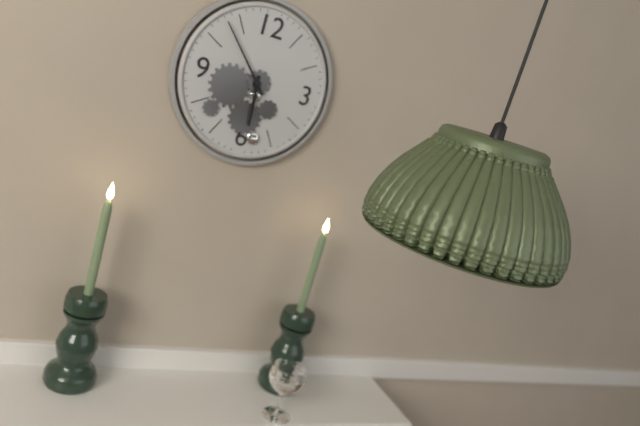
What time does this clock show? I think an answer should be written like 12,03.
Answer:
5,53
